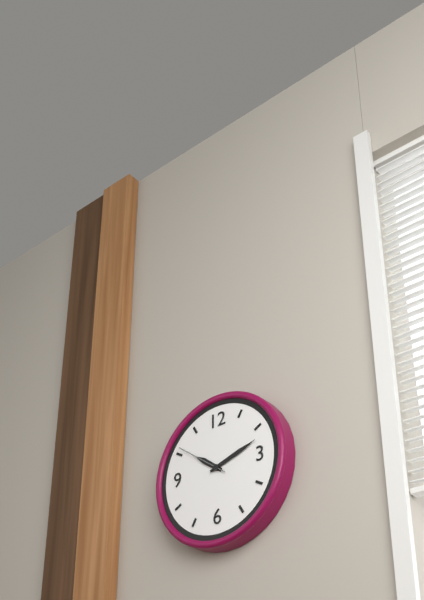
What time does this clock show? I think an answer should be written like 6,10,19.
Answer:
10,12,51
